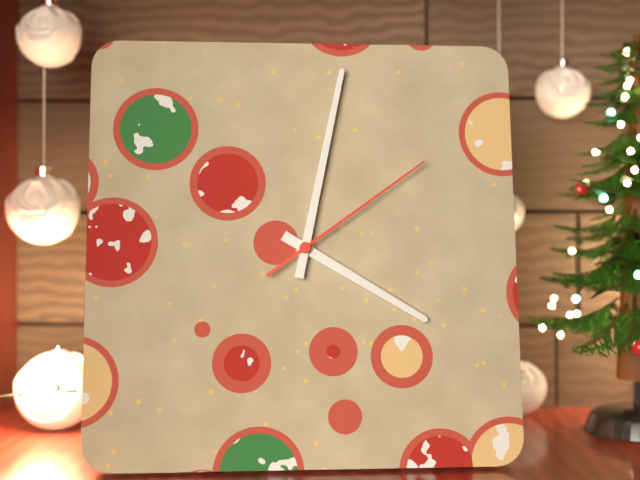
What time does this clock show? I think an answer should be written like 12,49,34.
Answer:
4,02,09
